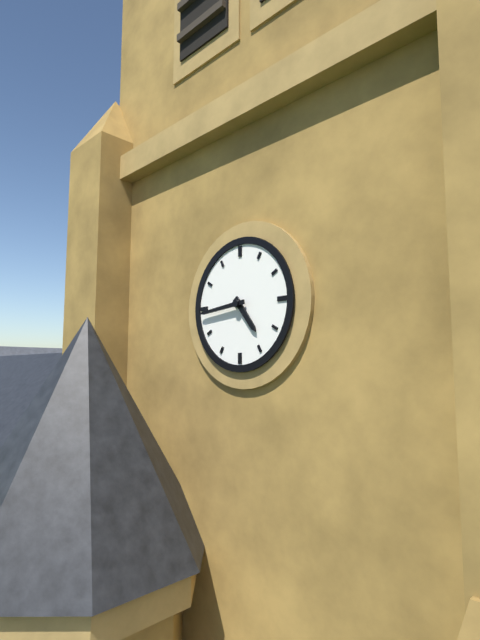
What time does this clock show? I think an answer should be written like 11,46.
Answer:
4,44
